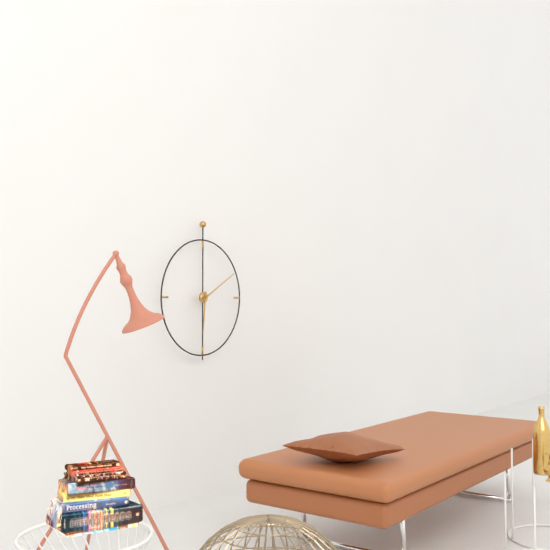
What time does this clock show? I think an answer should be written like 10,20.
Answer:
6,10
